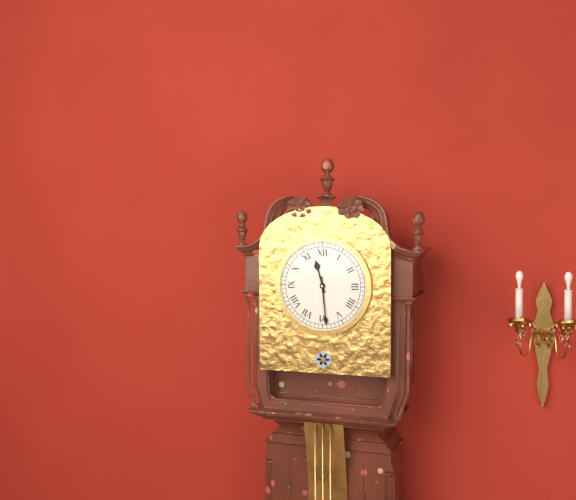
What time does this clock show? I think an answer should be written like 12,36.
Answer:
11,29
